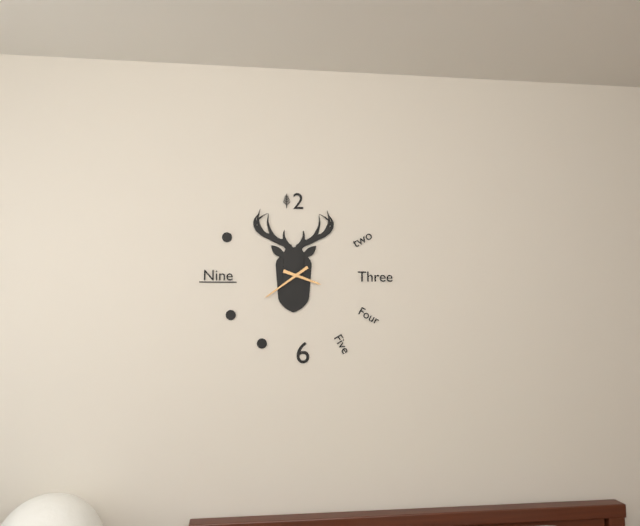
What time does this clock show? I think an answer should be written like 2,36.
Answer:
3,39
